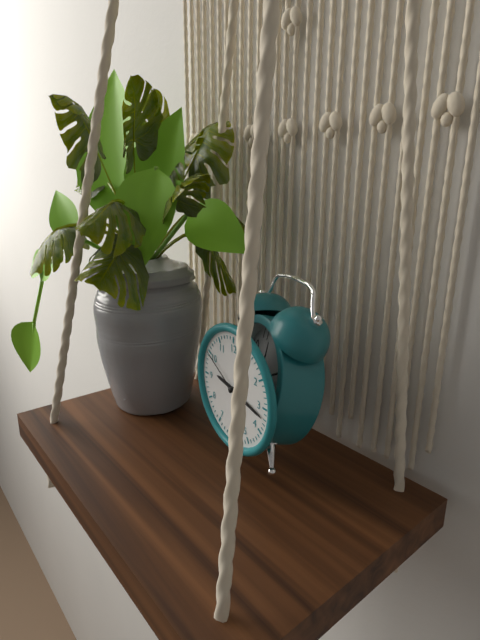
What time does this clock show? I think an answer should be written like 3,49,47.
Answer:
9,17,50
